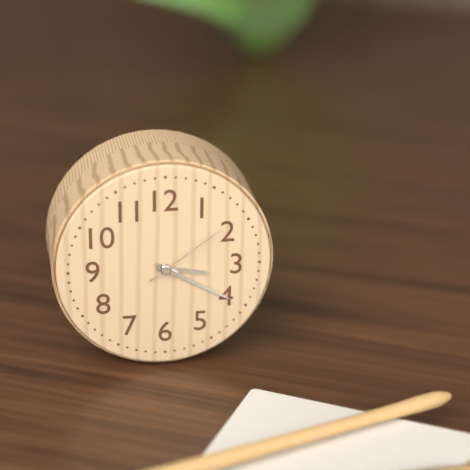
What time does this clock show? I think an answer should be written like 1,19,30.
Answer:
3,20,09
